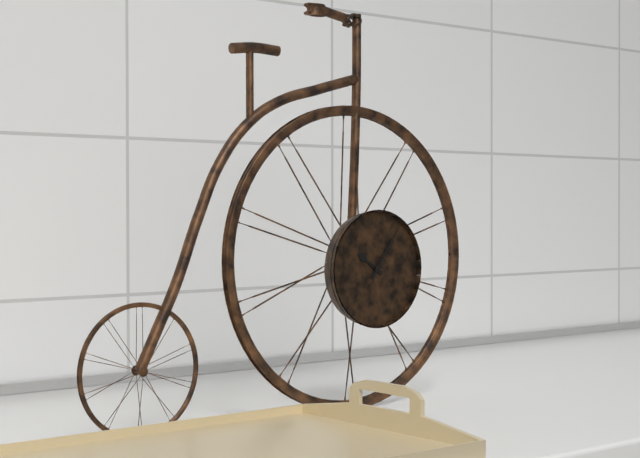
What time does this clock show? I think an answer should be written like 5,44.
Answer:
10,06
